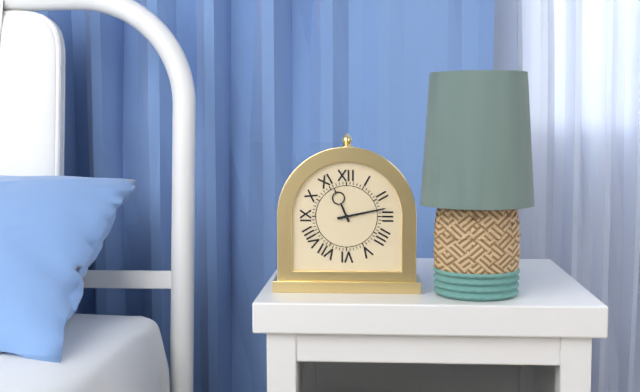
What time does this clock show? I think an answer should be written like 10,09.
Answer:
11,13
